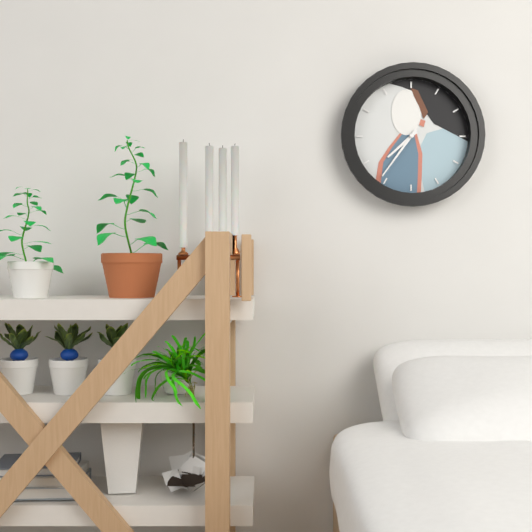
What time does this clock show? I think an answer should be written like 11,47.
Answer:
7,36
